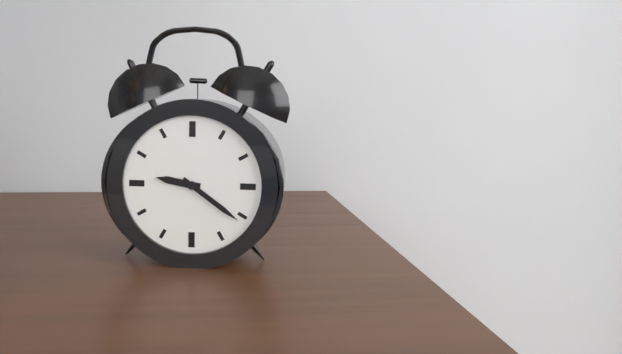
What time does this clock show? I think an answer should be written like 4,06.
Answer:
9,21
